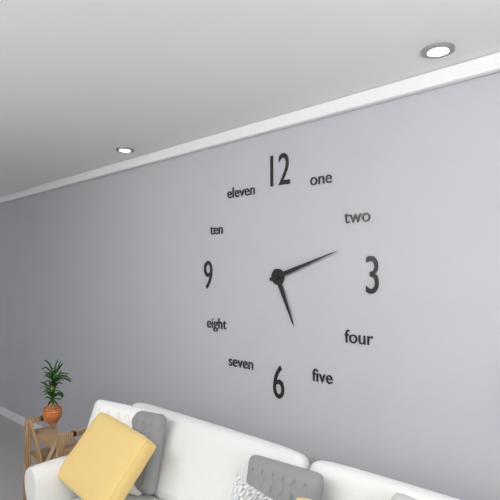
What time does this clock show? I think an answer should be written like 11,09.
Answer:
5,12
